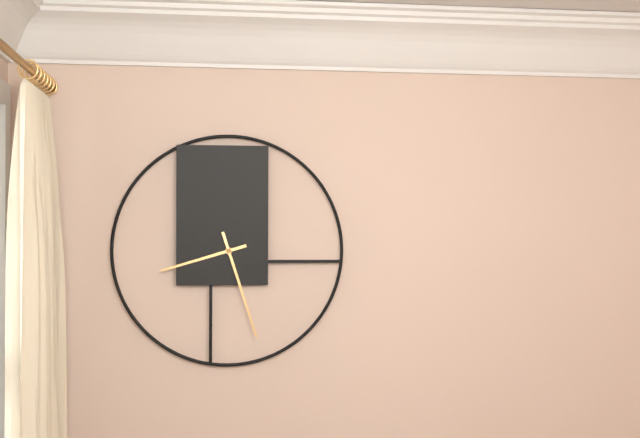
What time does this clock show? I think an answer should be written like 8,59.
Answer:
8,27
